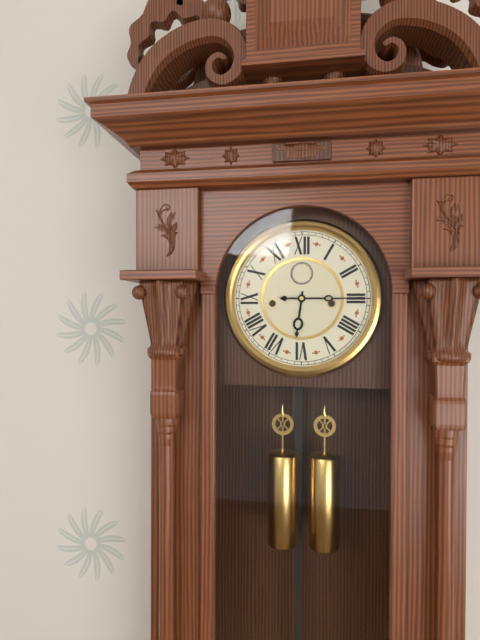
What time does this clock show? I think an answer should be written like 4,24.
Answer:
6,15
